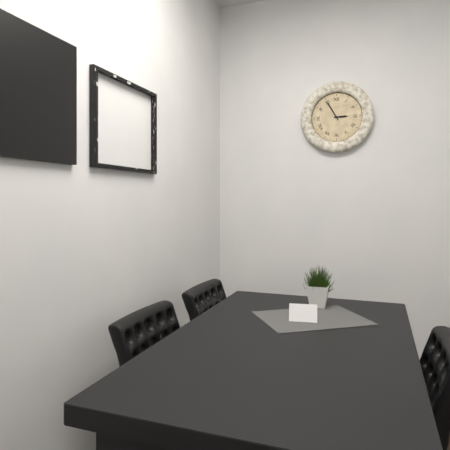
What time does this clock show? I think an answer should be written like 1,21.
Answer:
2,55
